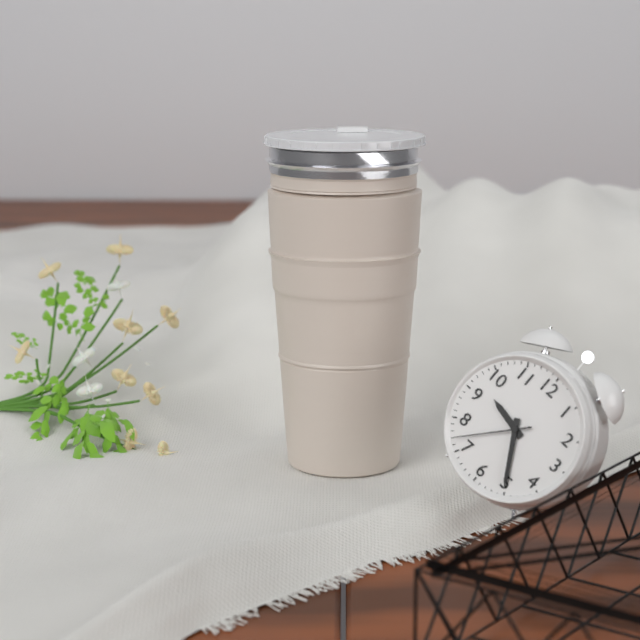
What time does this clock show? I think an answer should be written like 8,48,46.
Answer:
9,25,37
